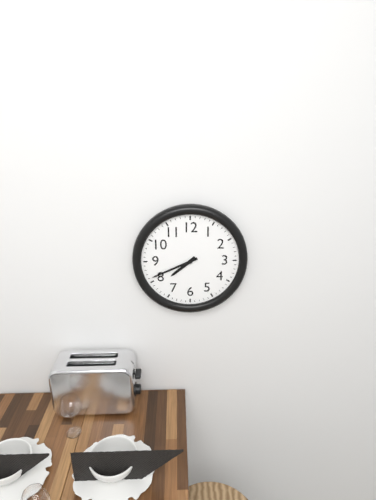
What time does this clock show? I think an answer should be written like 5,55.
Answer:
7,41
